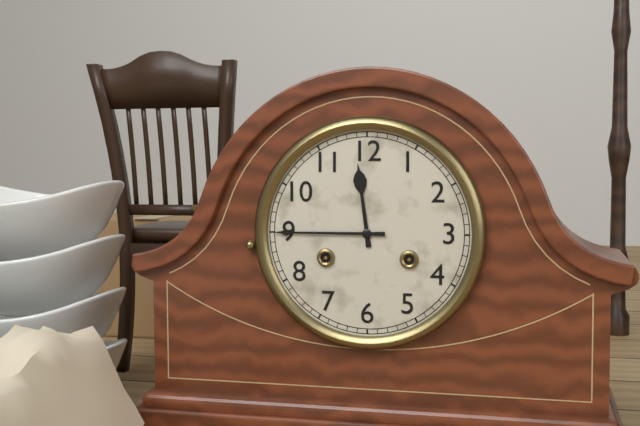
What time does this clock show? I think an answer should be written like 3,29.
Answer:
11,45
